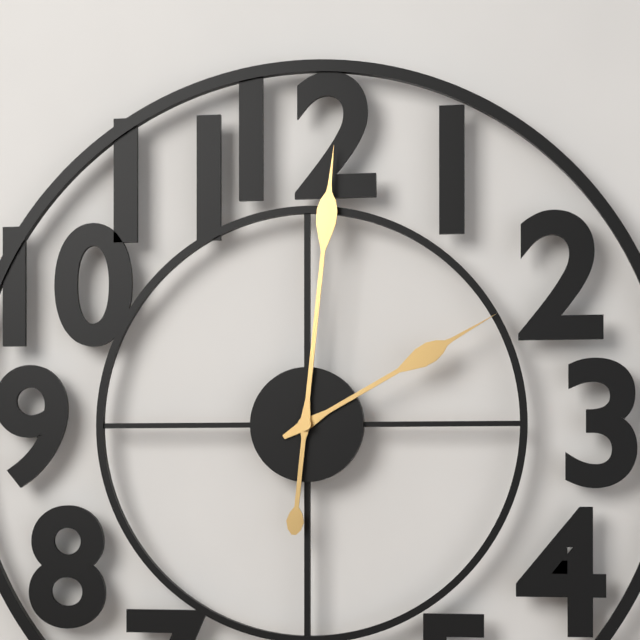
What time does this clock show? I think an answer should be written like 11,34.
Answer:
2,01
